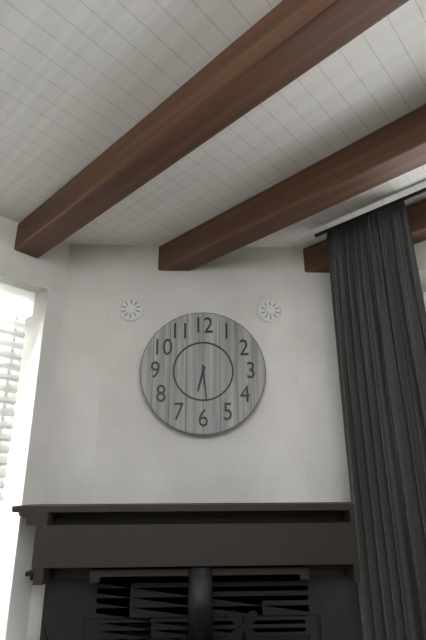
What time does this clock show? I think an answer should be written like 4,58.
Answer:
6,29
